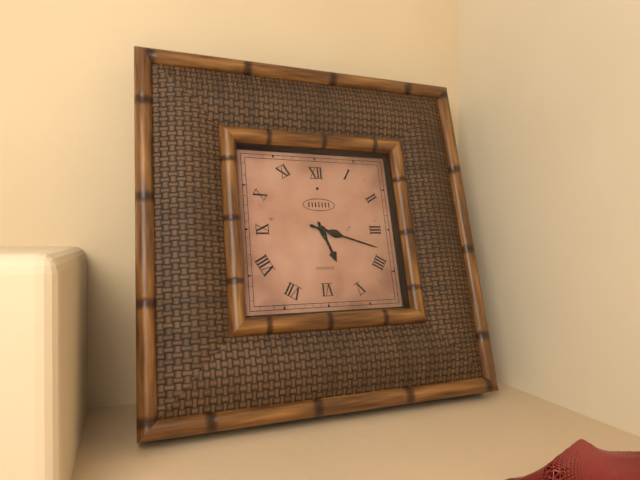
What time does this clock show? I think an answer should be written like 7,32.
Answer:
5,18
